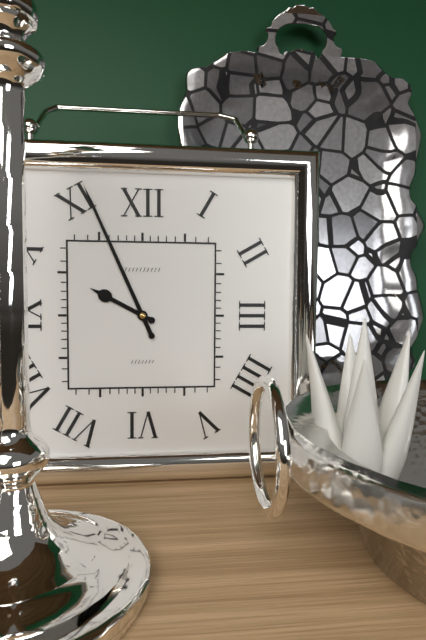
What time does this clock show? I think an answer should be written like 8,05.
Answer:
9,56
